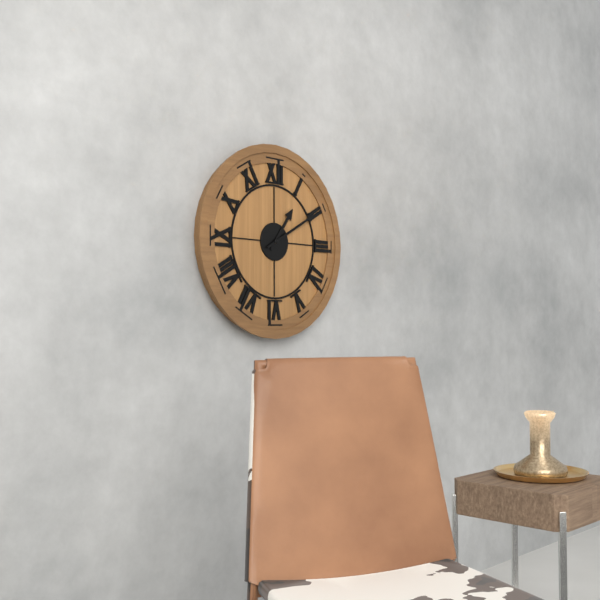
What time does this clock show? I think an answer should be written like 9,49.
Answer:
1,10
